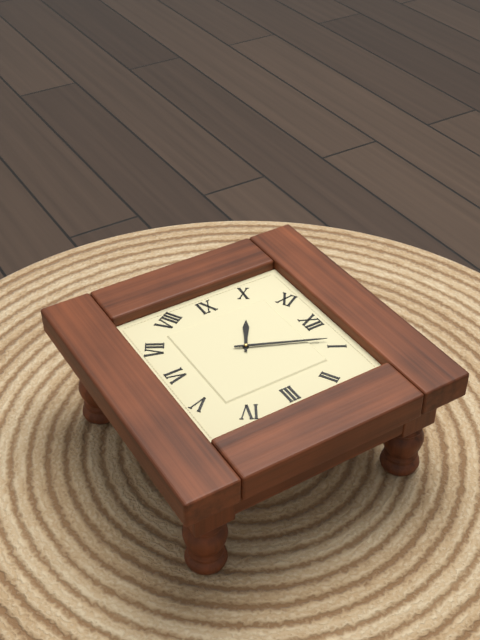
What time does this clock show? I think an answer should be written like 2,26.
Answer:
10,04
